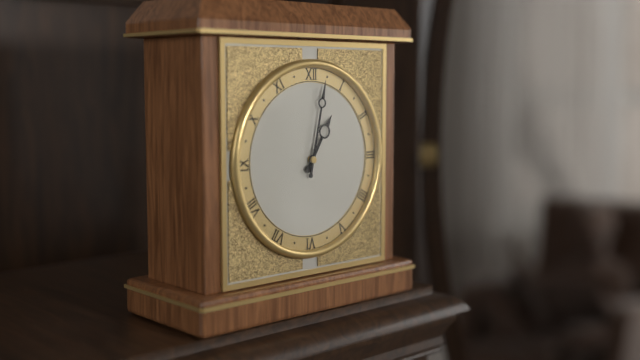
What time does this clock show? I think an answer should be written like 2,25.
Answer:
1,02
